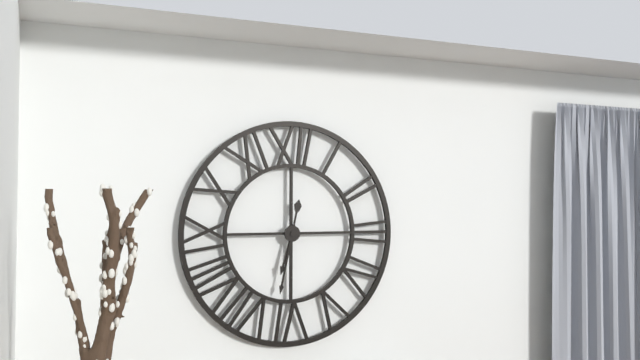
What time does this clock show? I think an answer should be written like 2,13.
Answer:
6,32
